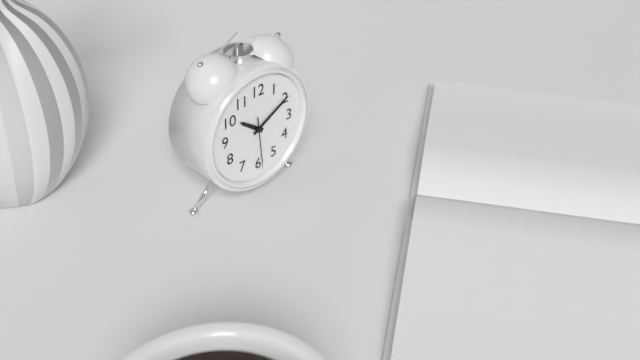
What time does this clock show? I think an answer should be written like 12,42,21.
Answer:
10,10,29
